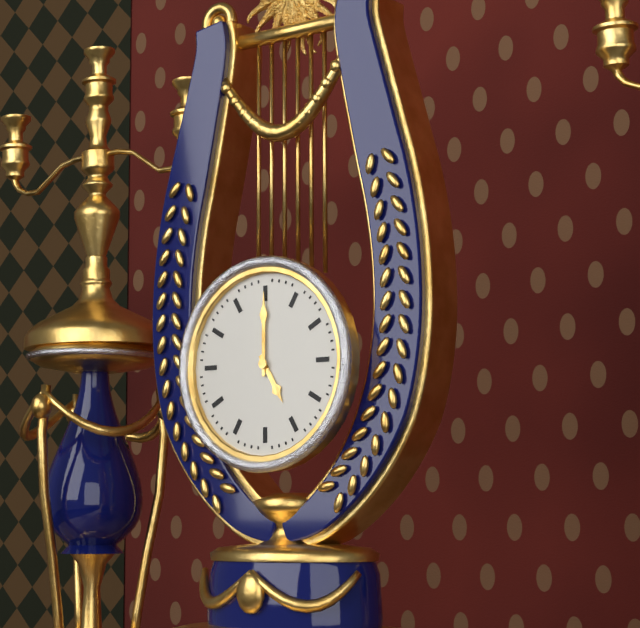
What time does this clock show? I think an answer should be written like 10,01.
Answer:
5,00
